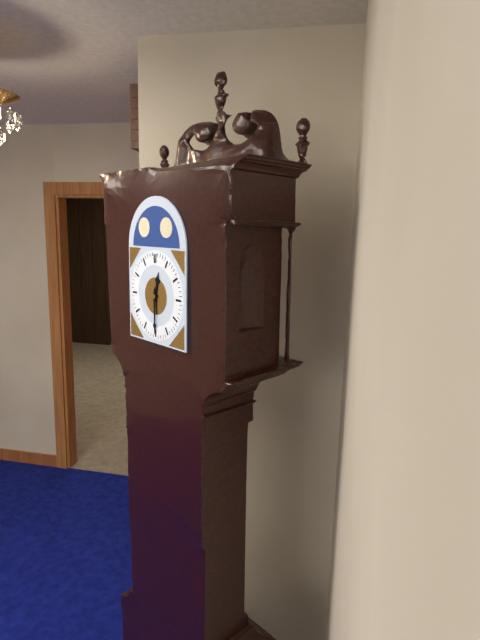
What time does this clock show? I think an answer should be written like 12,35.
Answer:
12,30
